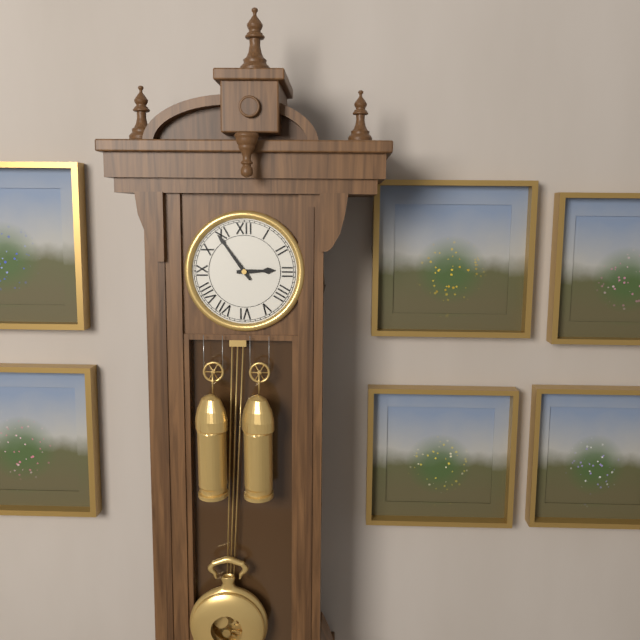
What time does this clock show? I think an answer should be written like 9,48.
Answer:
2,54
